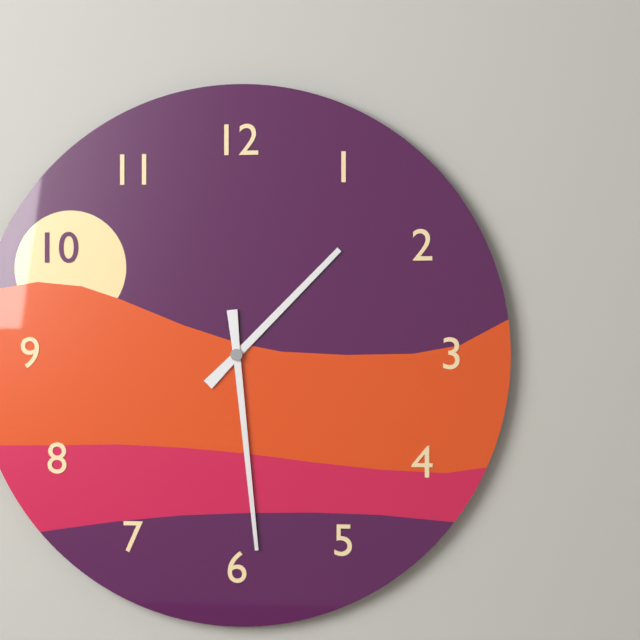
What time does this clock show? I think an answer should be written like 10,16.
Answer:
1,29
